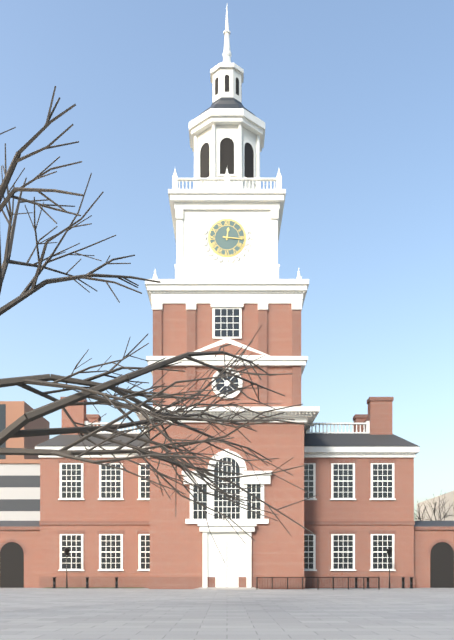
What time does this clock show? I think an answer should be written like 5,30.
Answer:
12,16
